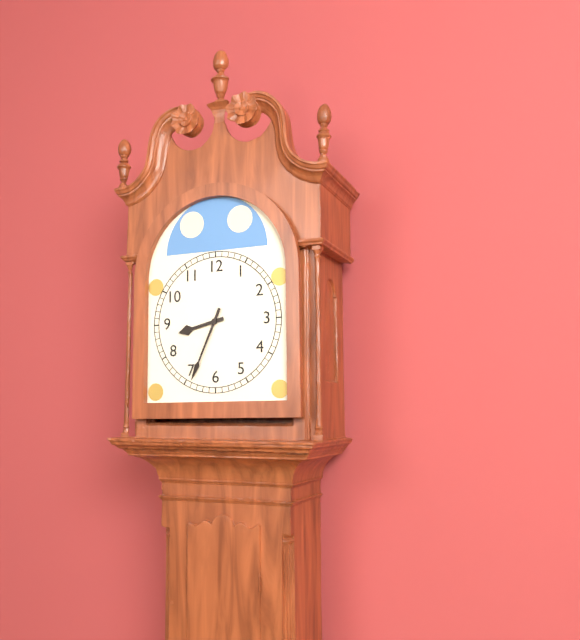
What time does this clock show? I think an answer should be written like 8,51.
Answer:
8,34
